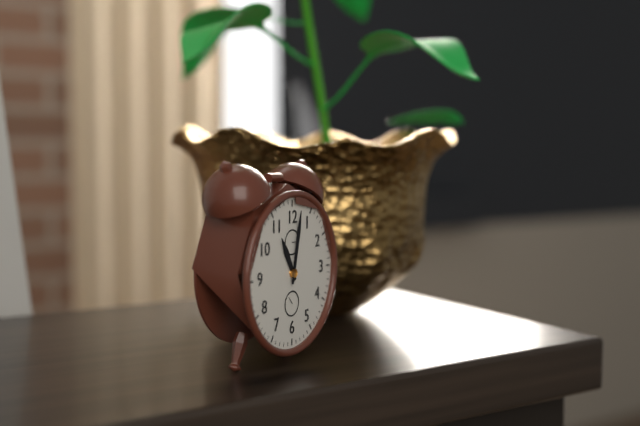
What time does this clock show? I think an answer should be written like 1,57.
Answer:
11,02
